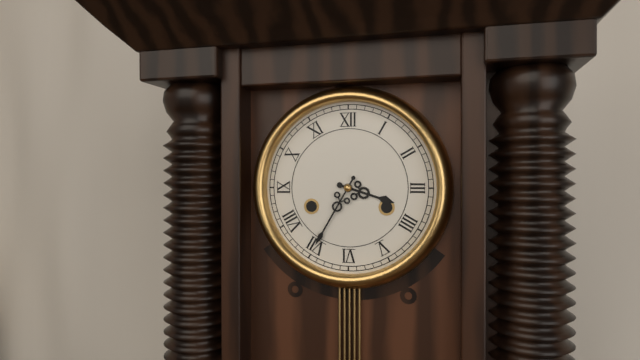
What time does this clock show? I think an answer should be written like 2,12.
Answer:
3,35
